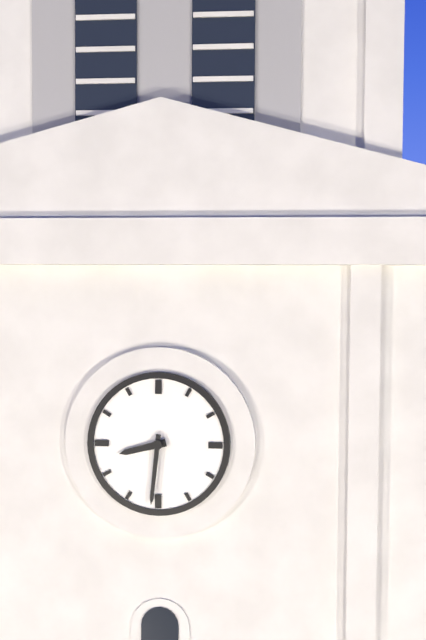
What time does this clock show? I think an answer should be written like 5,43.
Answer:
8,31
